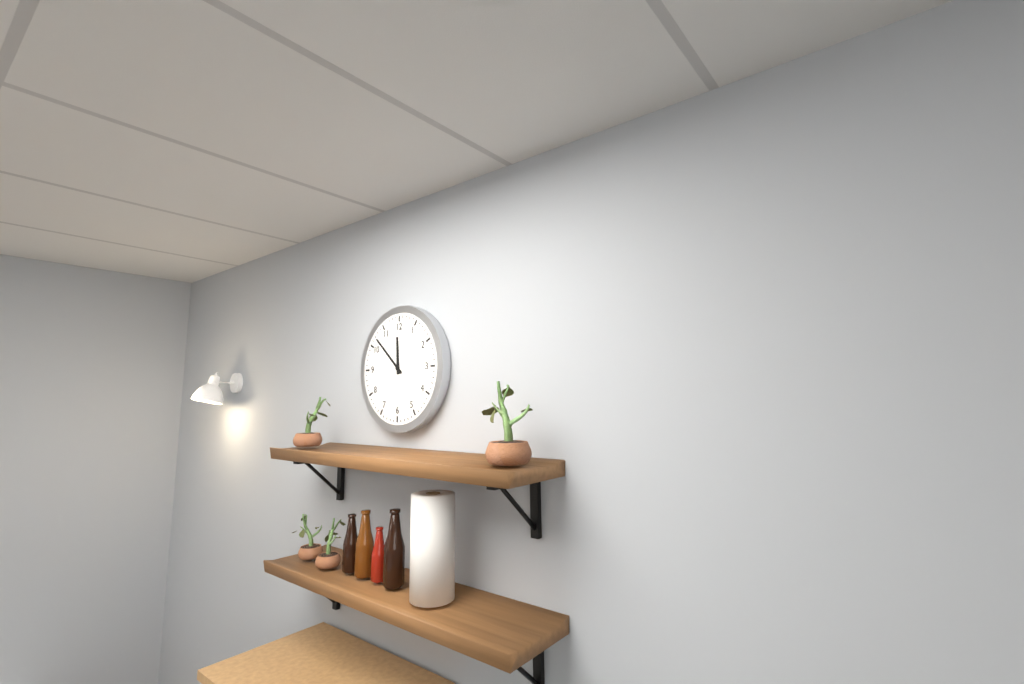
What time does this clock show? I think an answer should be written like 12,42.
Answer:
11,52
